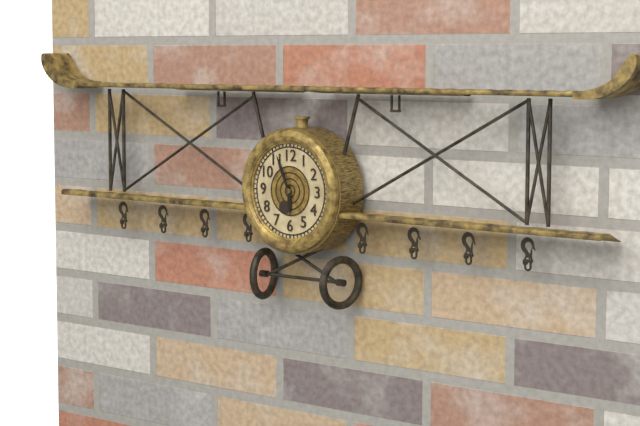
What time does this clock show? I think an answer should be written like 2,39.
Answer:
5,56
